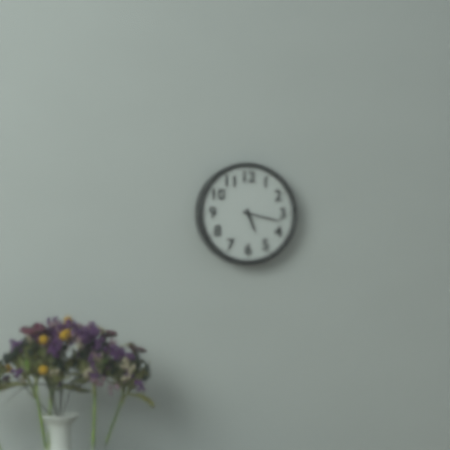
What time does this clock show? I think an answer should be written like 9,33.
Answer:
5,17
